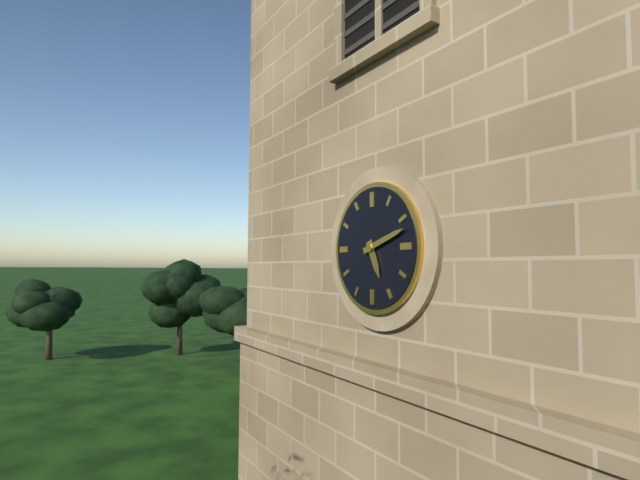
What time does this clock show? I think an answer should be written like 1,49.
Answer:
5,12
